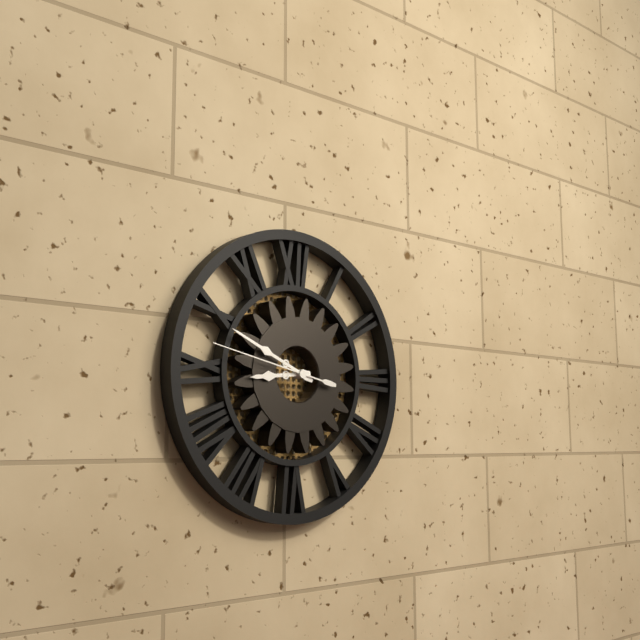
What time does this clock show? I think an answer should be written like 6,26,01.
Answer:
8,49,47
